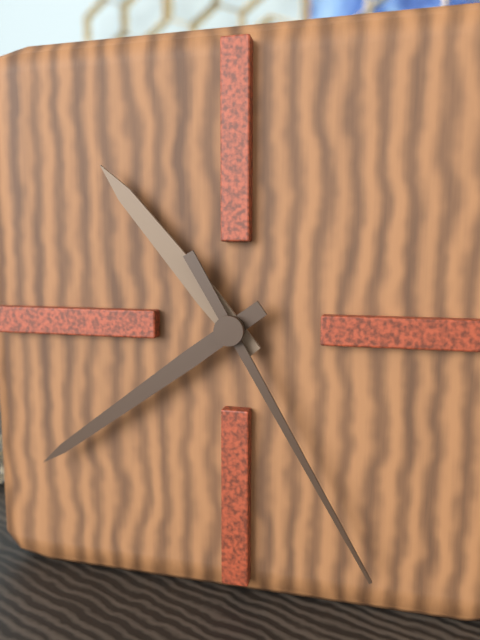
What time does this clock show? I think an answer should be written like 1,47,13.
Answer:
10,39,25
